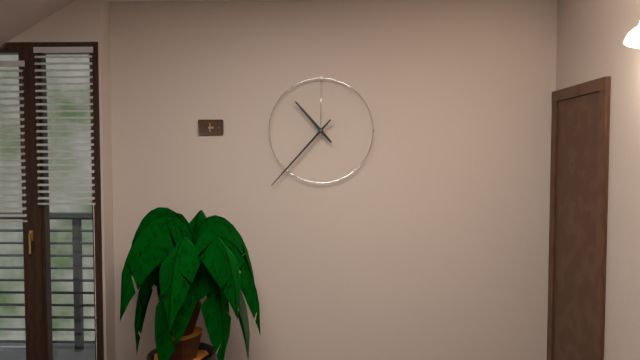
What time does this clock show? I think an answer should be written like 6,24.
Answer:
10,37
